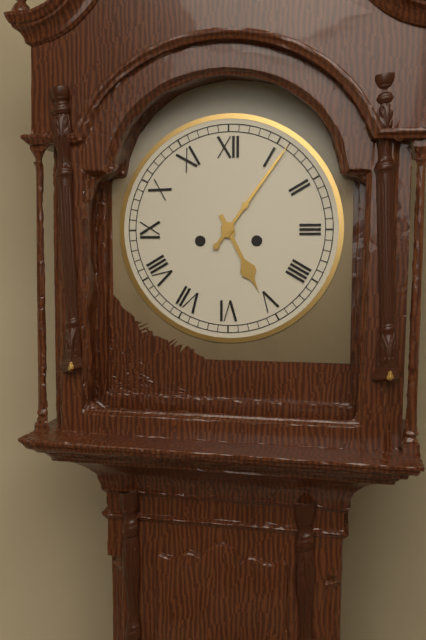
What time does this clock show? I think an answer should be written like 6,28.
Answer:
5,06
